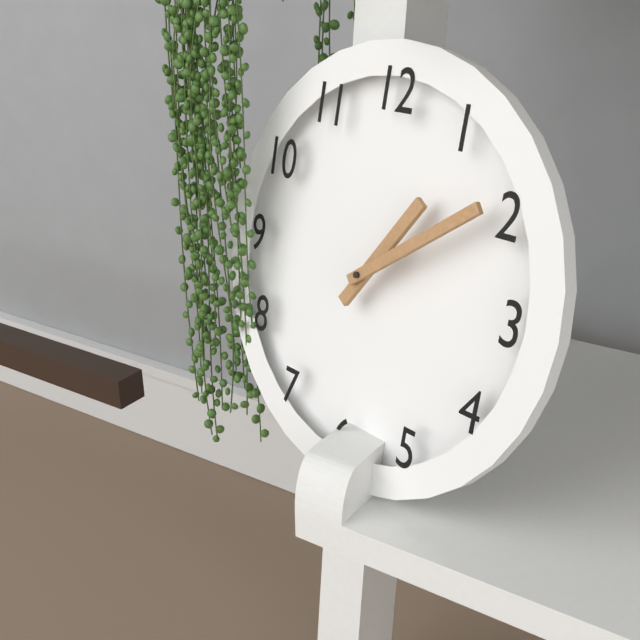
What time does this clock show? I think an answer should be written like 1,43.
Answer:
1,09
